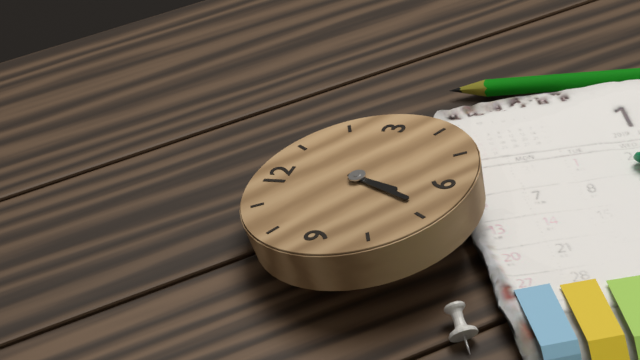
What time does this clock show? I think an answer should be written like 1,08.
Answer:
6,34
